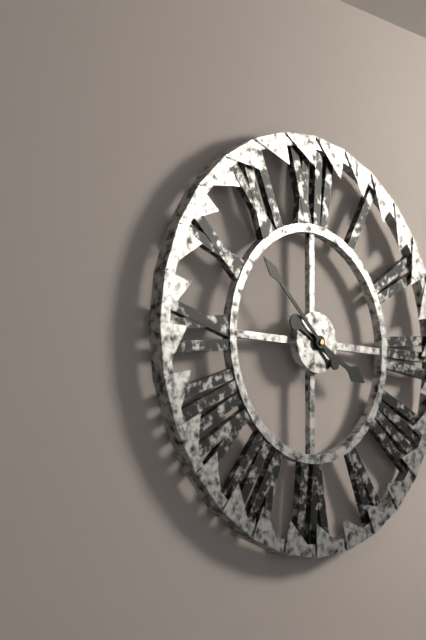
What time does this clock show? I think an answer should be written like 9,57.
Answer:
3,52
